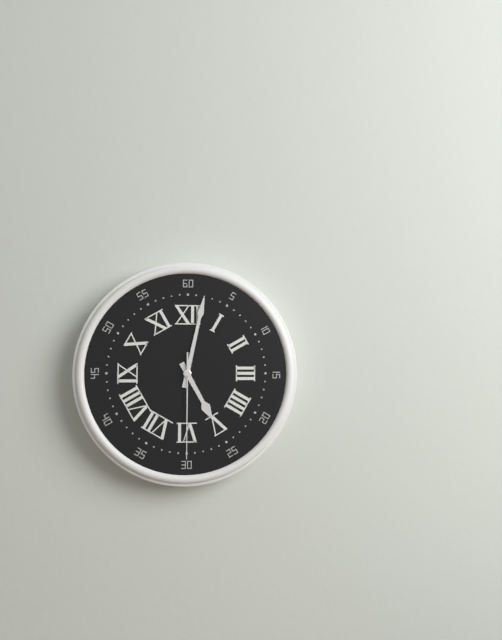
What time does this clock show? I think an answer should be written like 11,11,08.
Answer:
5,02,30
